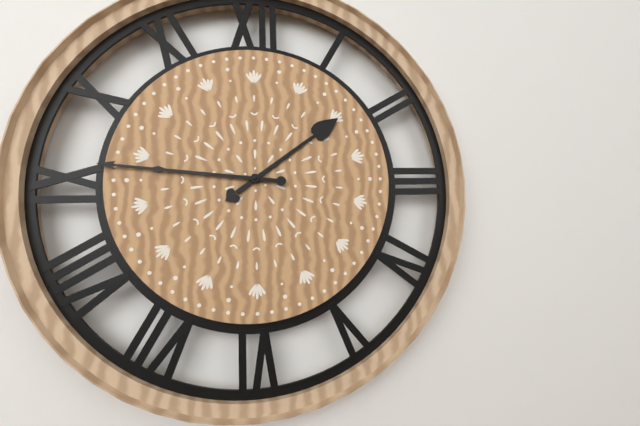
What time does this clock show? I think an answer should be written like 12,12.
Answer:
1,46
